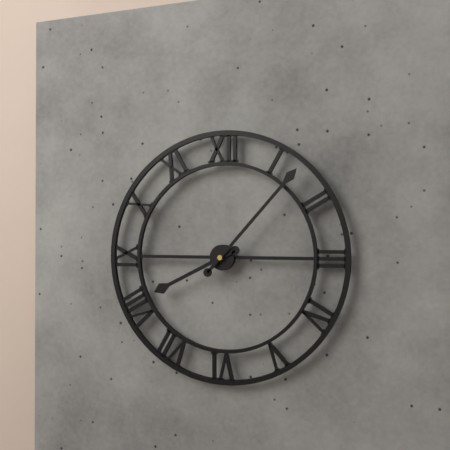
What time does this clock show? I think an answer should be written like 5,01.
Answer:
8,07
